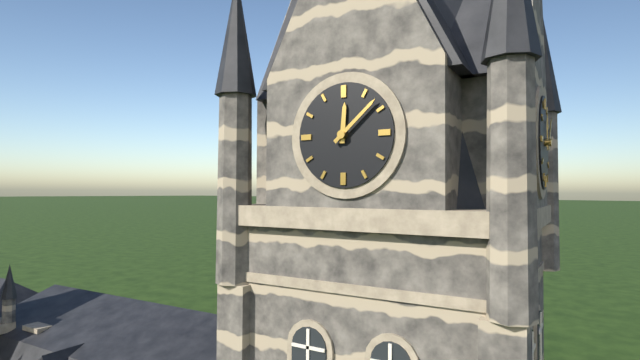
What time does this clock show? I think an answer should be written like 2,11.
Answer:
12,08
